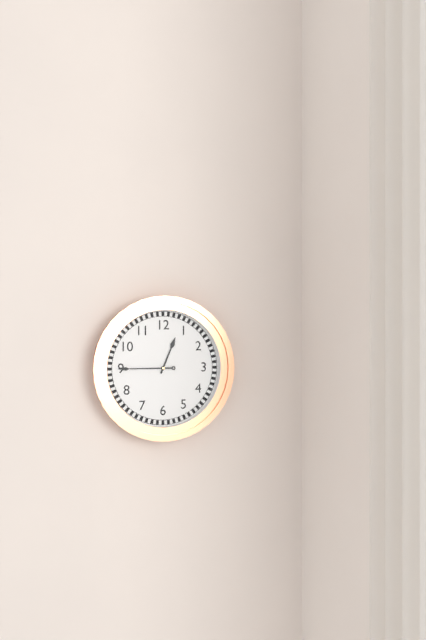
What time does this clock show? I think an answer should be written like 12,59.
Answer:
12,45
